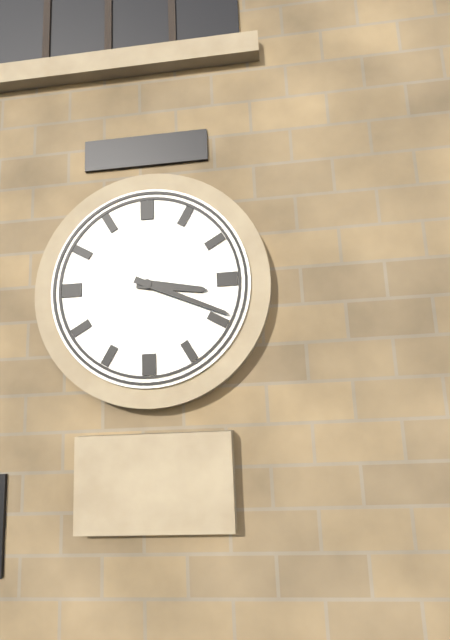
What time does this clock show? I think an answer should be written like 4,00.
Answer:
3,19
